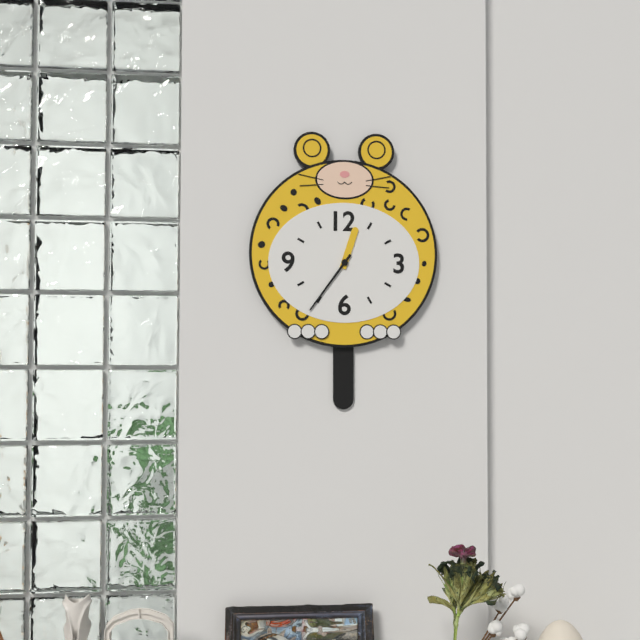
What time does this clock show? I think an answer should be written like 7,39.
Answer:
12,36
